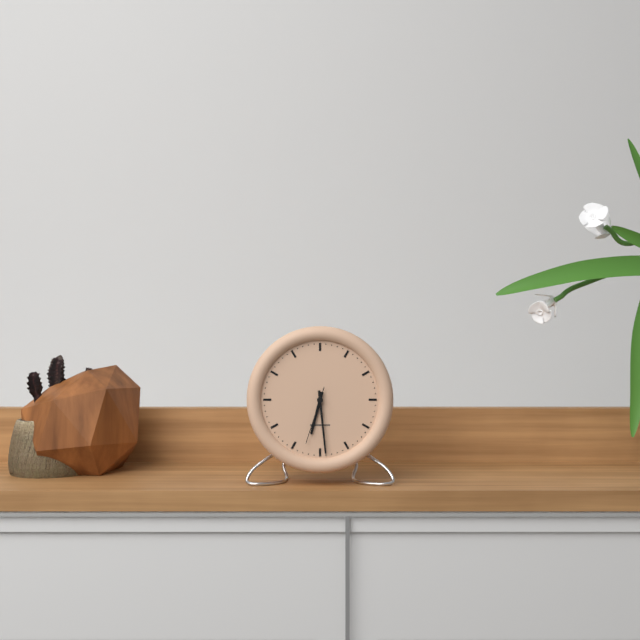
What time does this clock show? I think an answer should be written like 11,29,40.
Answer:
6,29,33
